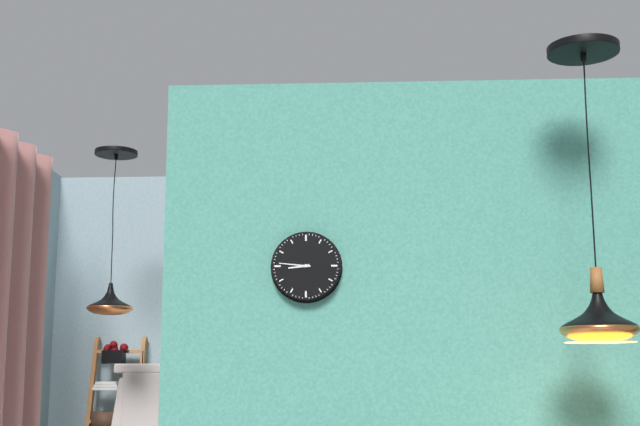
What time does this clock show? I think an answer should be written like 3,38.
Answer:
8,46
